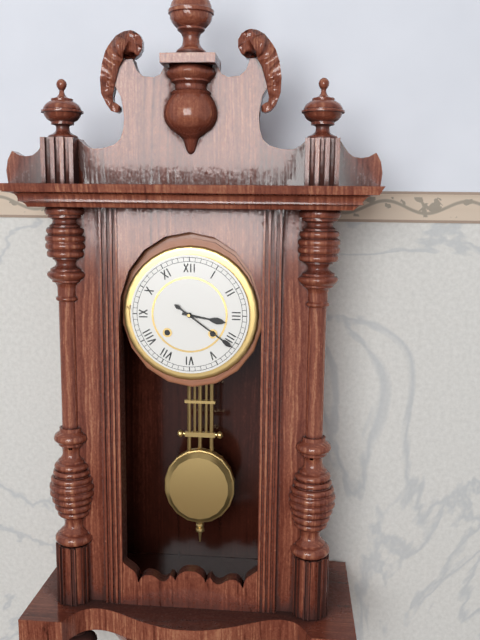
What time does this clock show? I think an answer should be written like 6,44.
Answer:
3,21
